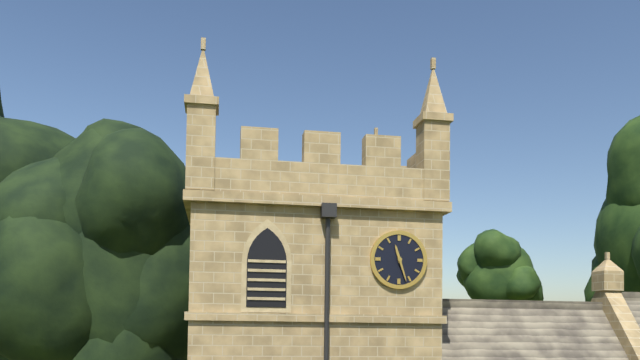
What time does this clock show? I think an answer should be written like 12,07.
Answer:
11,27
